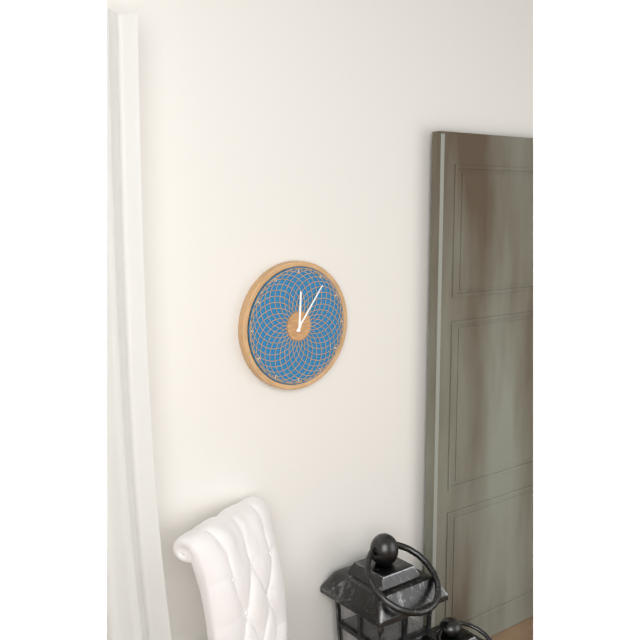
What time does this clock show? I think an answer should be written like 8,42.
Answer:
12,06
